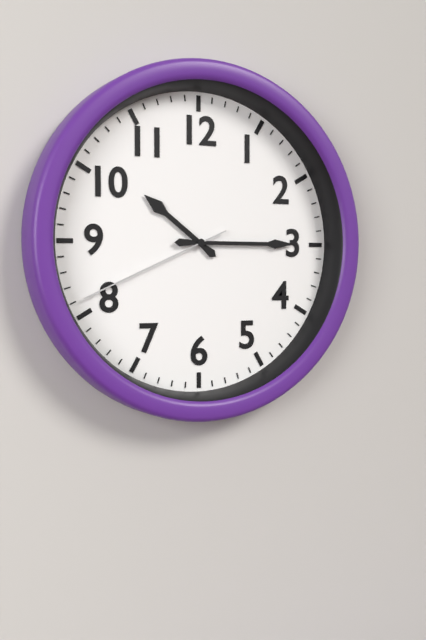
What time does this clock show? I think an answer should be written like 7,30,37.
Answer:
10,15,41
